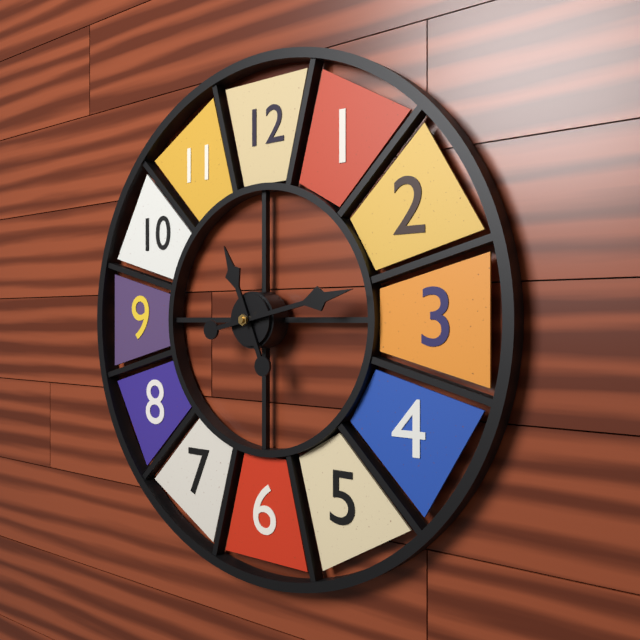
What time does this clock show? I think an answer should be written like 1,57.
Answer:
11,13
